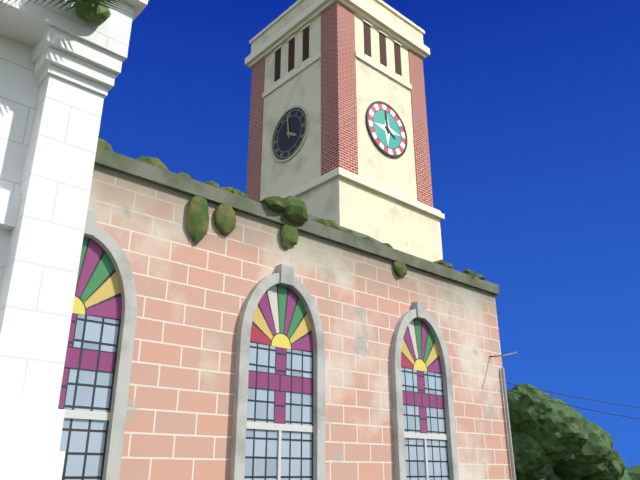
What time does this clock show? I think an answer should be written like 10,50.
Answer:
3,59
